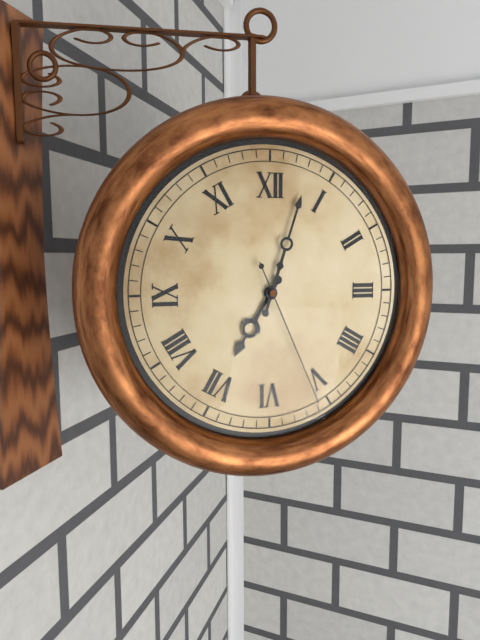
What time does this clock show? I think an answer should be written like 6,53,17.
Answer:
7,03,26
